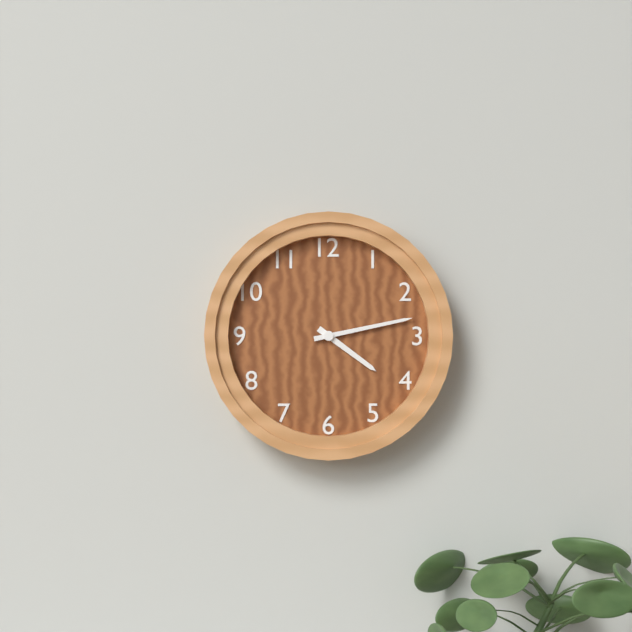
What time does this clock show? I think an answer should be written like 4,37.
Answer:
4,13
